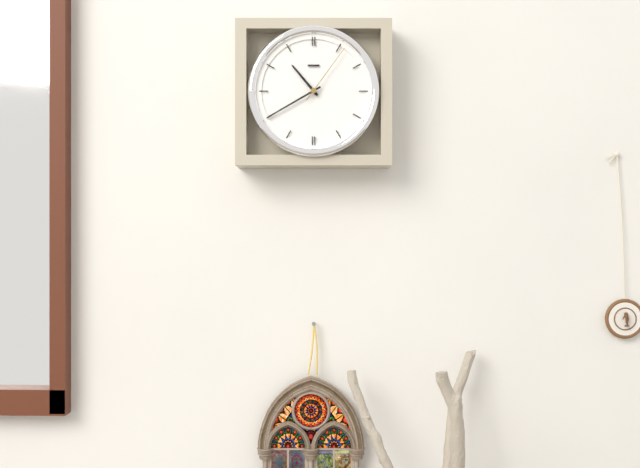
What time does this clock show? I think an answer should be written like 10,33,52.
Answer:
10,40,06
